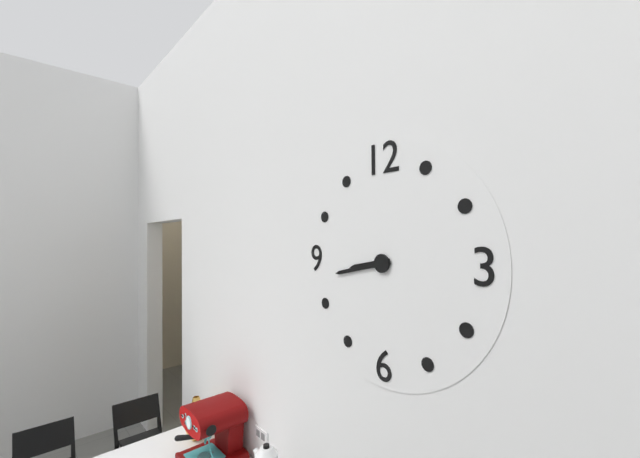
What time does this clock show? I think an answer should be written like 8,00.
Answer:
8,43
